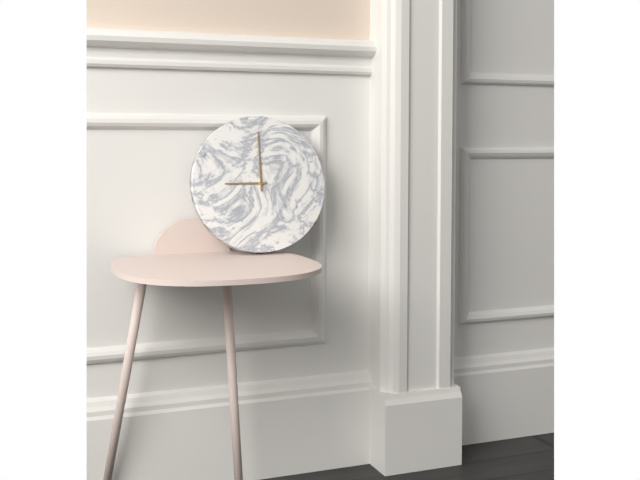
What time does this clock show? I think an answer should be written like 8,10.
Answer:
9,00
